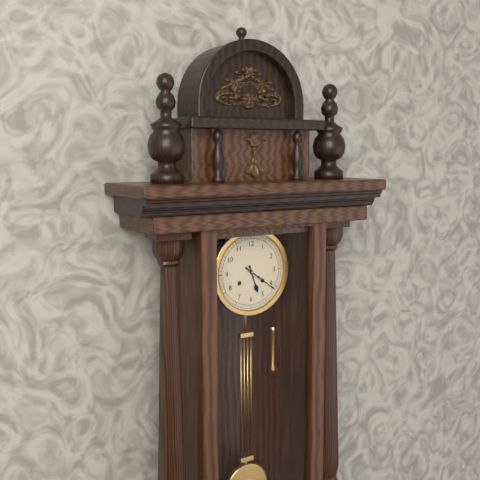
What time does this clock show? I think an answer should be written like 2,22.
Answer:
5,21
